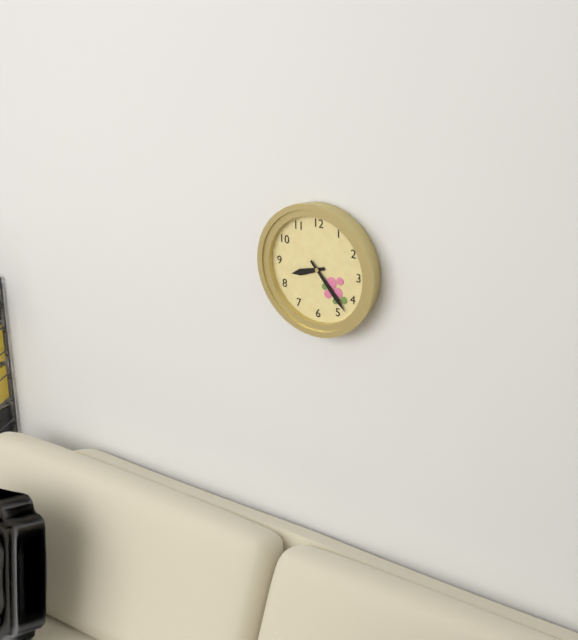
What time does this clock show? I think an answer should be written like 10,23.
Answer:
8,23
